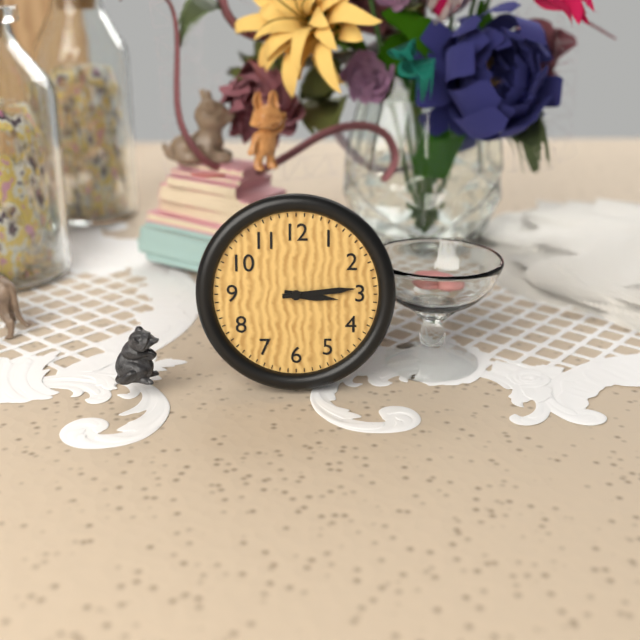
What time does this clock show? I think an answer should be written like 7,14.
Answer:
3,14
